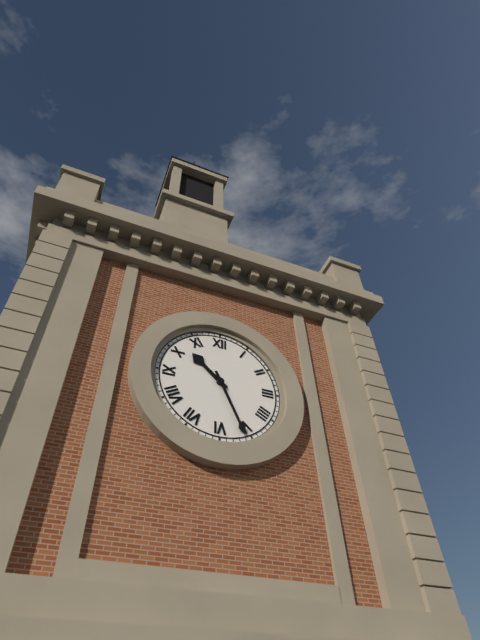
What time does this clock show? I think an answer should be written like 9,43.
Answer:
10,26
